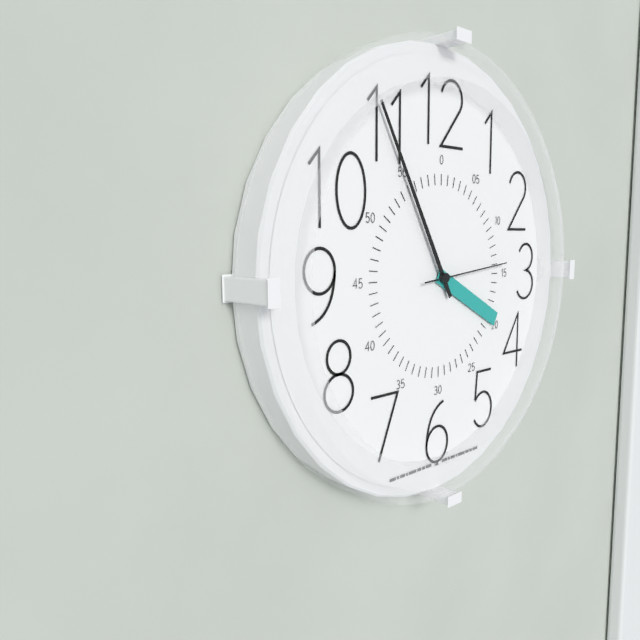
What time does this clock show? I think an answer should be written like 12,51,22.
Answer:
3,55,14
